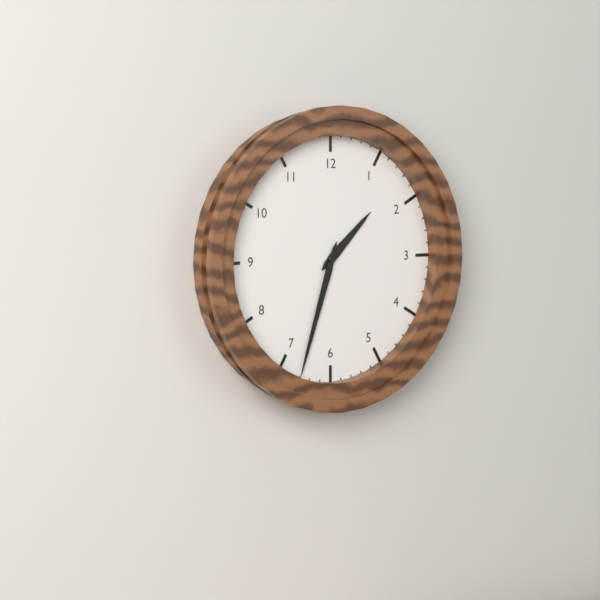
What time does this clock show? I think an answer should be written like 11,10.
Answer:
1,33
